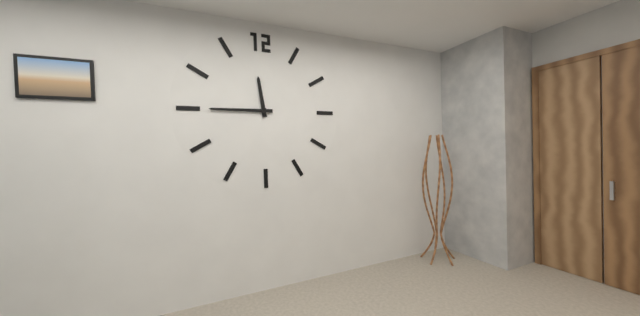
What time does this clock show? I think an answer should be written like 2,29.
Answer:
11,45
